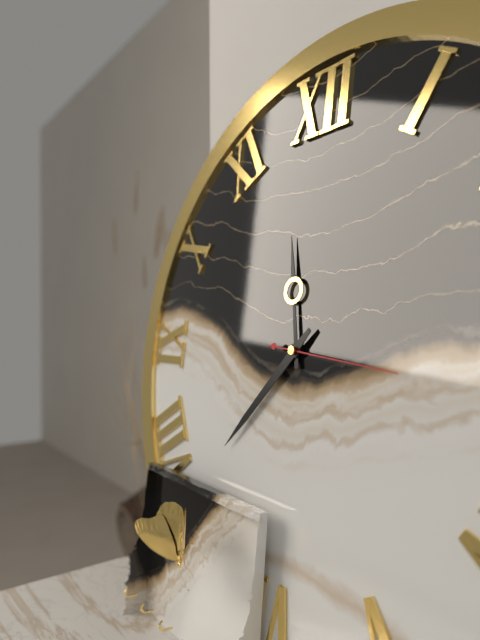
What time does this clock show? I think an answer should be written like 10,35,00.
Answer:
11,37,16
